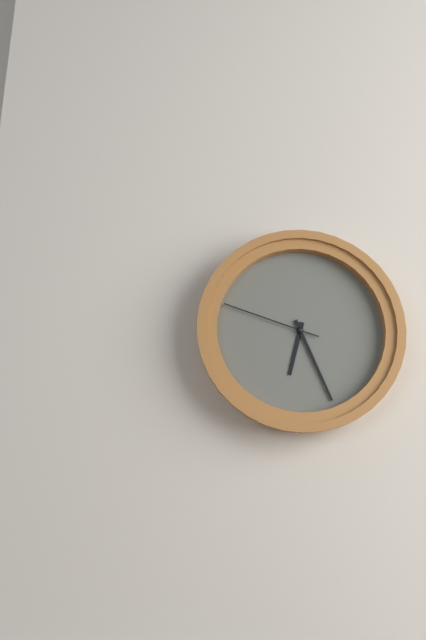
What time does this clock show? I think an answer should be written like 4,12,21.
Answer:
6,26,48
